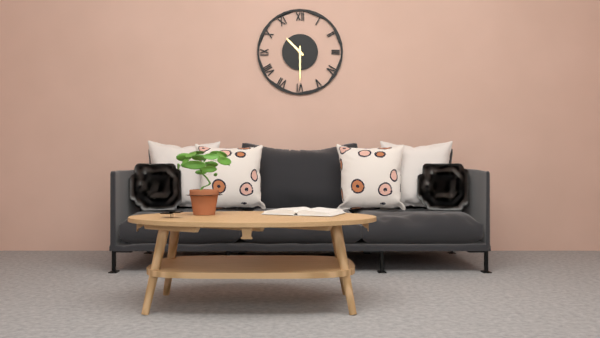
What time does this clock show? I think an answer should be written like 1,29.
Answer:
10,30
